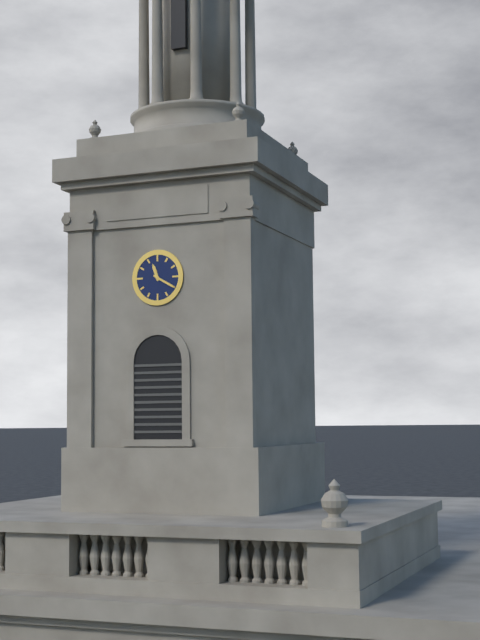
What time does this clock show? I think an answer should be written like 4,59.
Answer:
11,20
